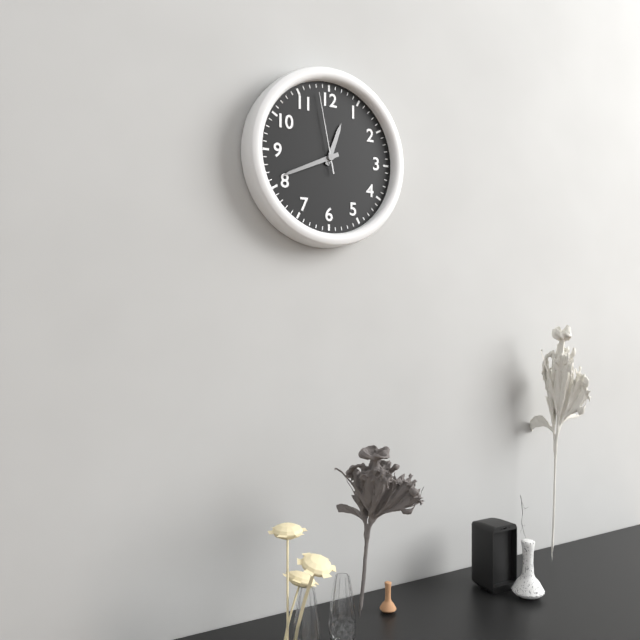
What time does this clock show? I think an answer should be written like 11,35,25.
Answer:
12,41,58
